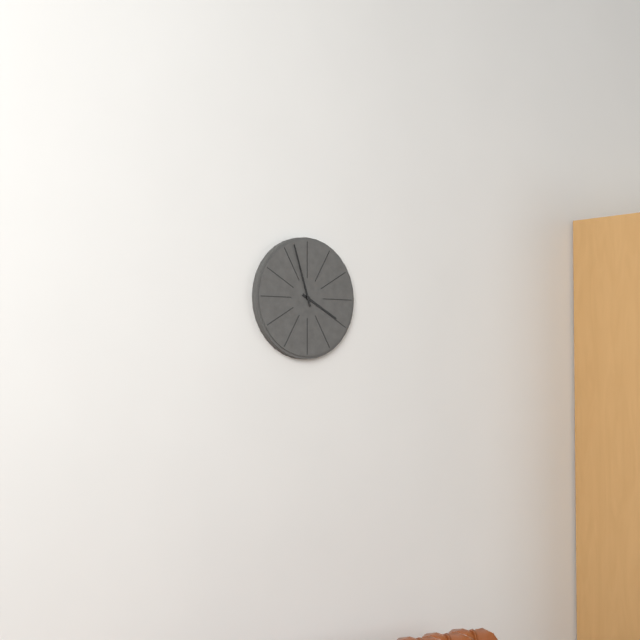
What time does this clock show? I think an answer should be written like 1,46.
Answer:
3,57
